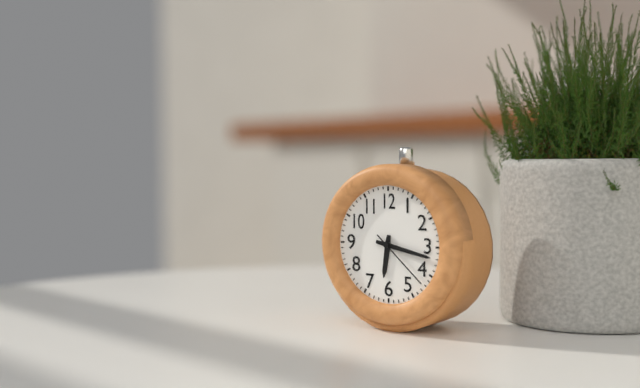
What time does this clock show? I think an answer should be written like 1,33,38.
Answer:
6,17,22
